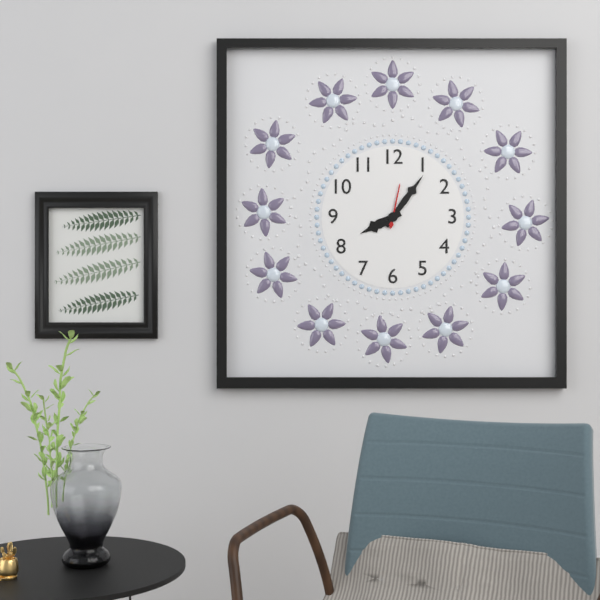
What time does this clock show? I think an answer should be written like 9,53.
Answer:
8,06
